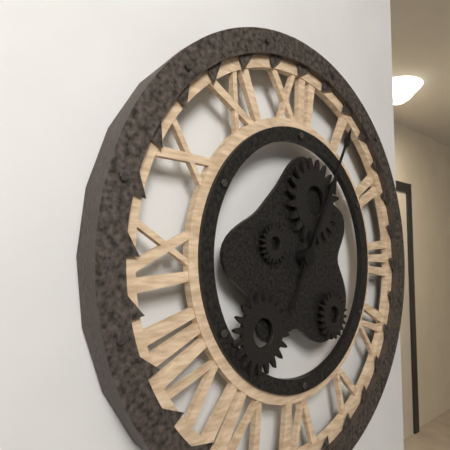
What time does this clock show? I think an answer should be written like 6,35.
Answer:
1,05
